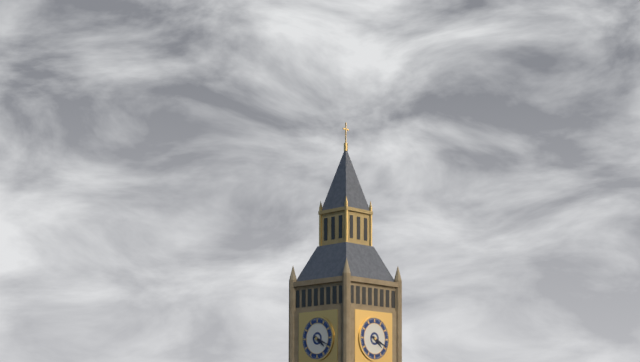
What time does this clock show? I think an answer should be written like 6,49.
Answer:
4,19
